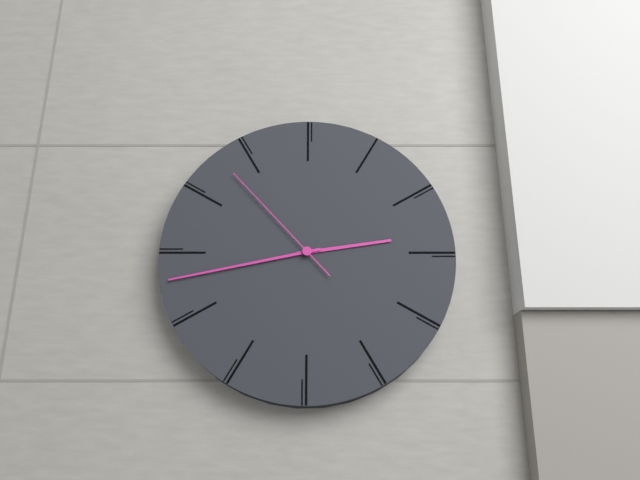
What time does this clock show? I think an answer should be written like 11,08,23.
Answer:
2,43,53
